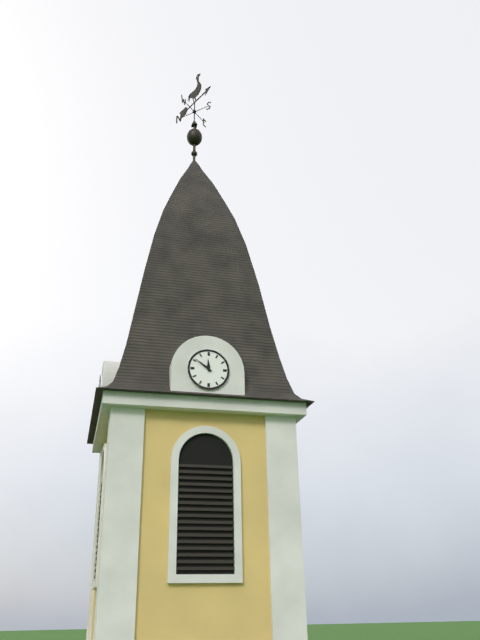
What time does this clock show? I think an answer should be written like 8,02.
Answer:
11,51
